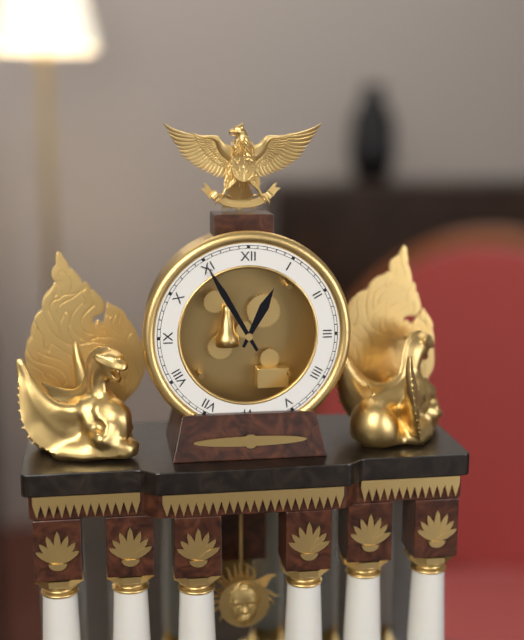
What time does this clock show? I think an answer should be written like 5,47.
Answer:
12,55
